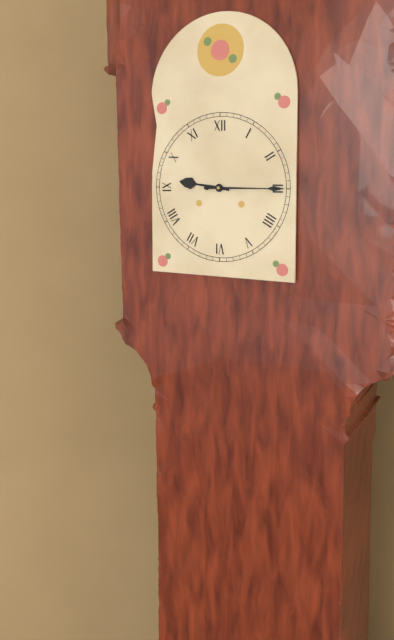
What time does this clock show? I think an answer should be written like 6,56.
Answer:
9,15
